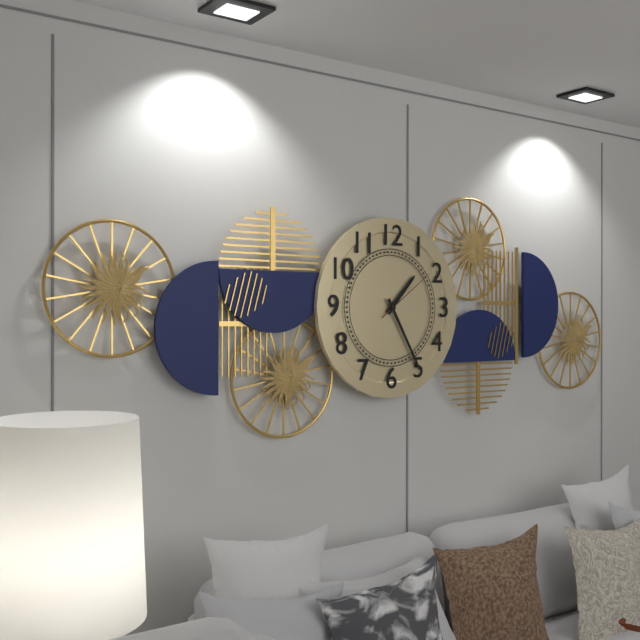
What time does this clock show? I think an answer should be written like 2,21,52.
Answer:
1,25,09
